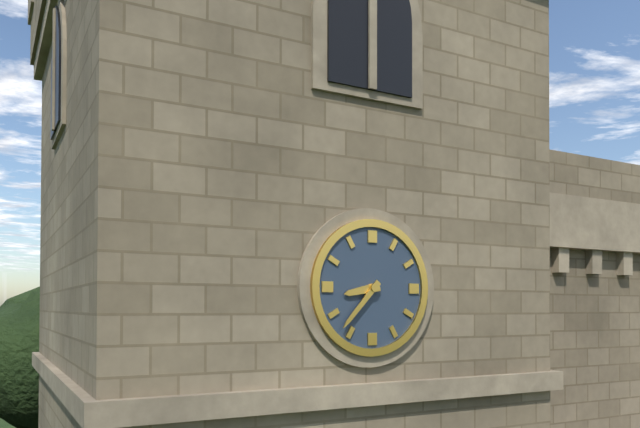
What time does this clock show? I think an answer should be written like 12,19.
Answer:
8,37
